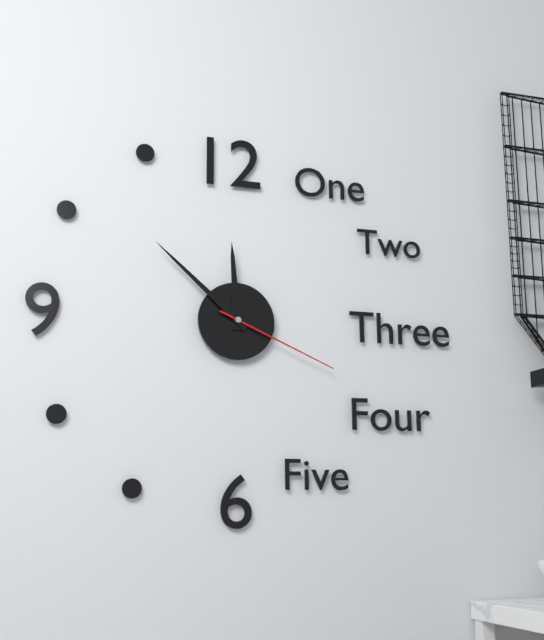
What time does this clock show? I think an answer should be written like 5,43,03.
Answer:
11,52,19
